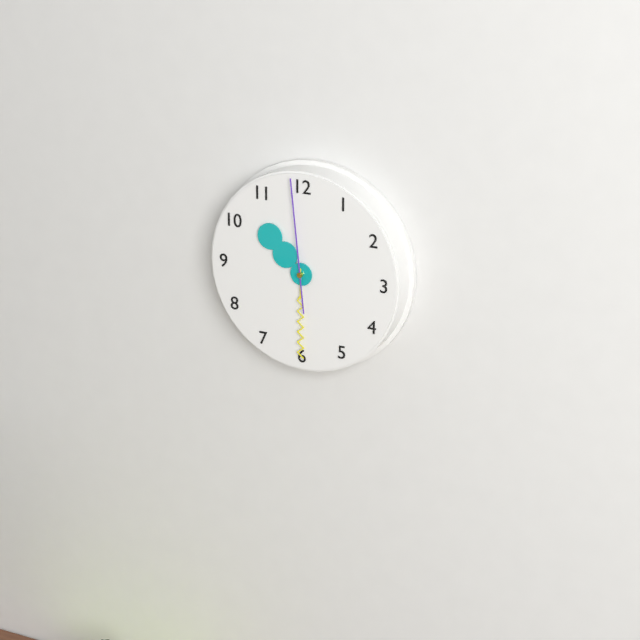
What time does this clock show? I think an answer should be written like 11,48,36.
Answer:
10,30,59
